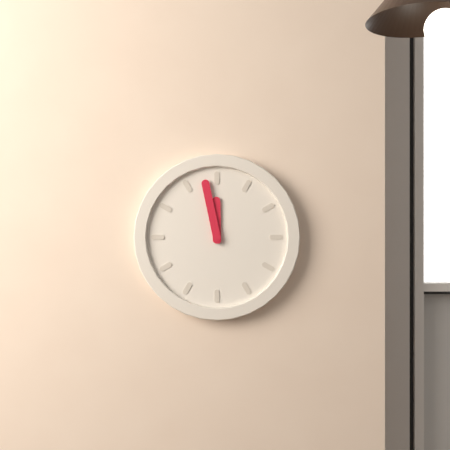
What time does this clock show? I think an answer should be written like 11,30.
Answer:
11,58
